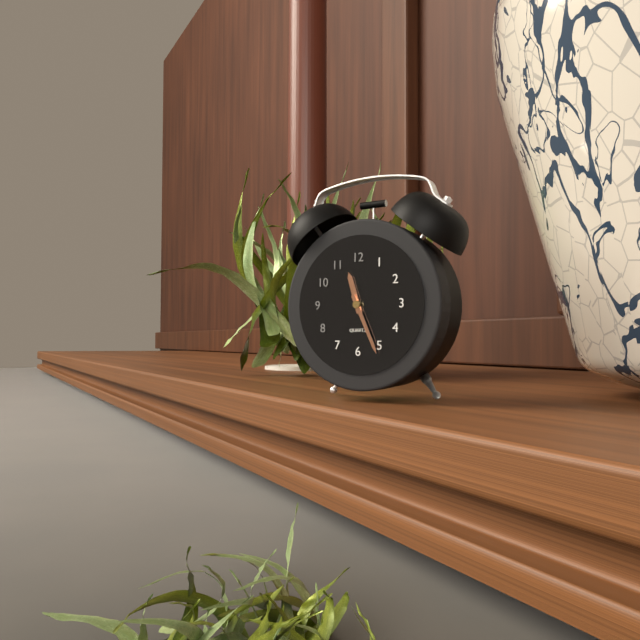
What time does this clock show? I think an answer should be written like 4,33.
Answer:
11,26
